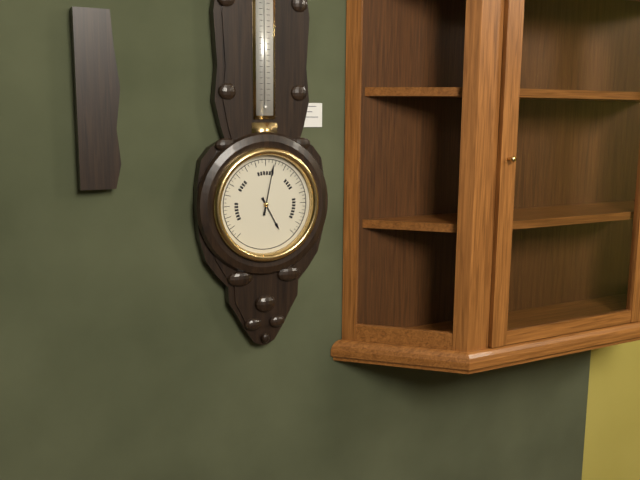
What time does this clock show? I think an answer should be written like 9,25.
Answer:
5,02
